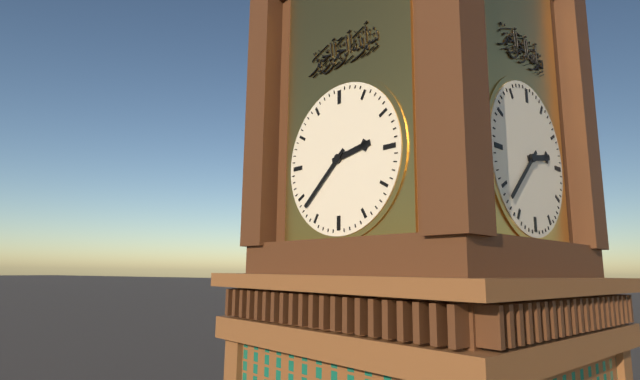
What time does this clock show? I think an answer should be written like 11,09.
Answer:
2,38
